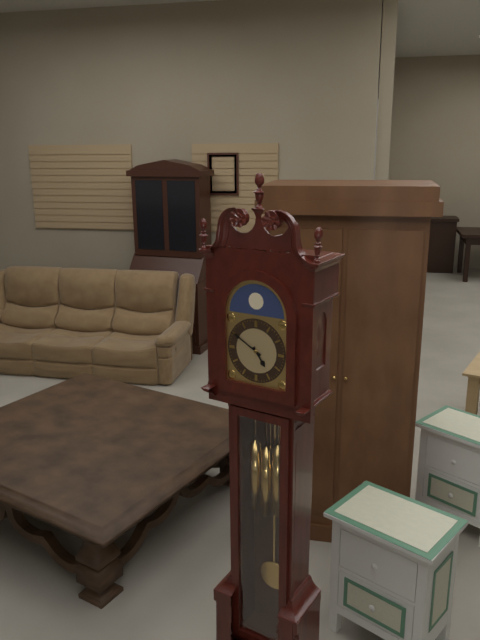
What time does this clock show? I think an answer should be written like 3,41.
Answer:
4,50
